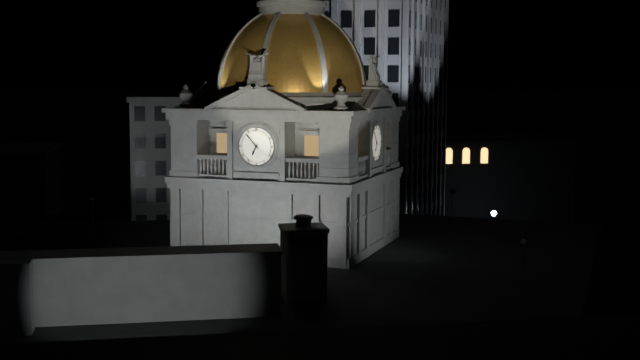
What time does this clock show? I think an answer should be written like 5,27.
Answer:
6,53
